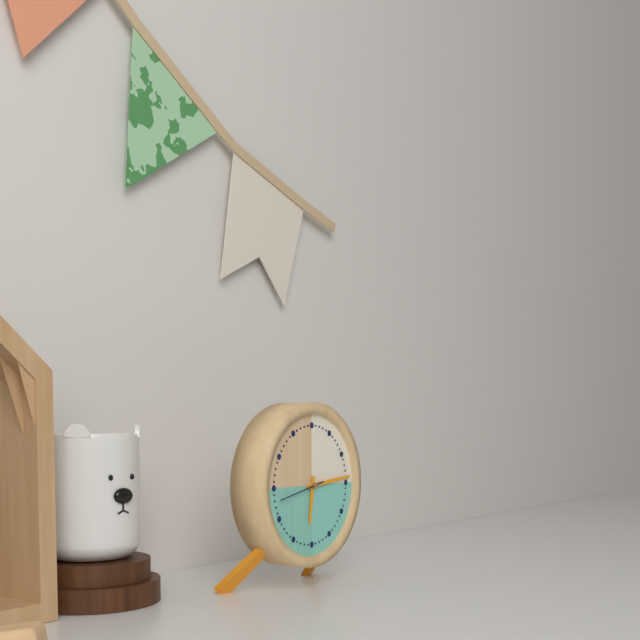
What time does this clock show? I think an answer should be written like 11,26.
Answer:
6,14
